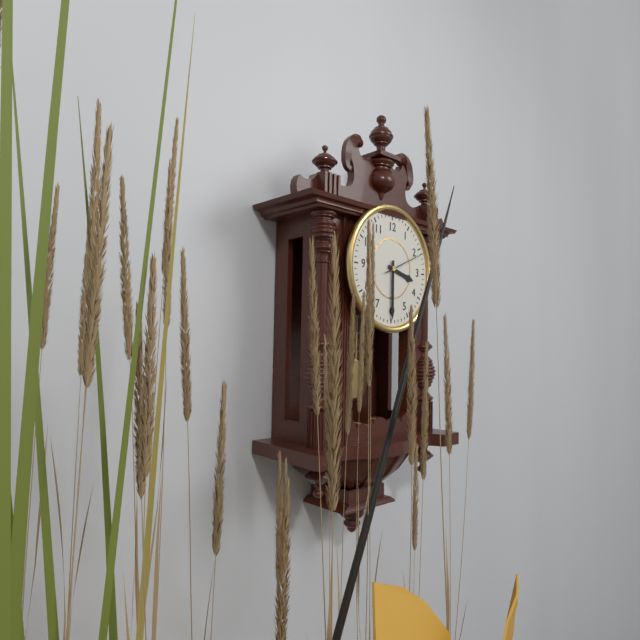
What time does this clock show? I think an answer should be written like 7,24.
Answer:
3,30
